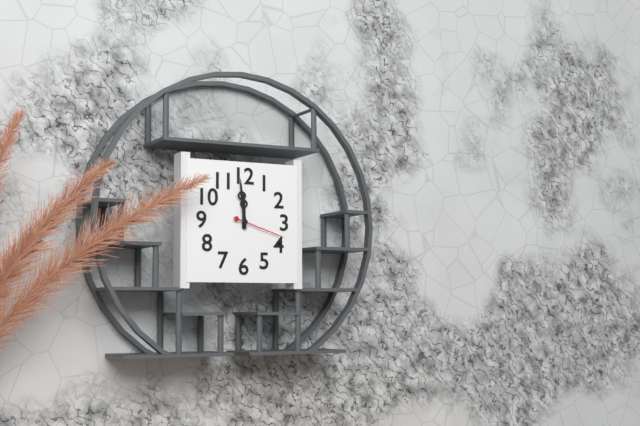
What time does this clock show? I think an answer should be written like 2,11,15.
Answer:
11,59,18
